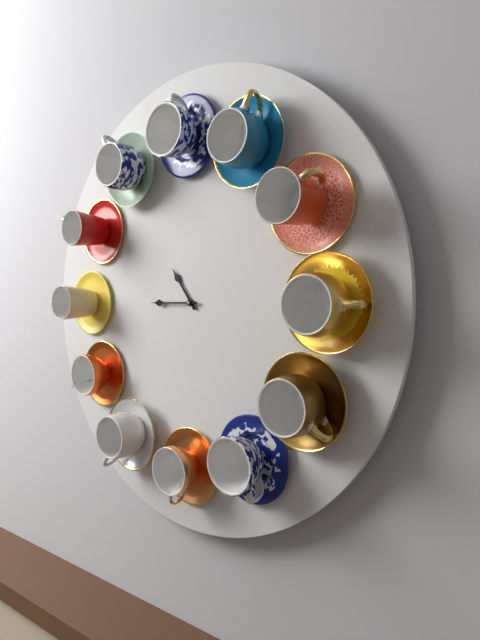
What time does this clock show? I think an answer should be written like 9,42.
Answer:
10,45
